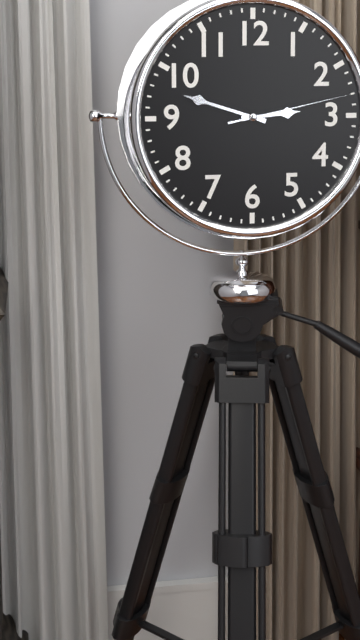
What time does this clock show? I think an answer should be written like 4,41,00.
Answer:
2,48,13
